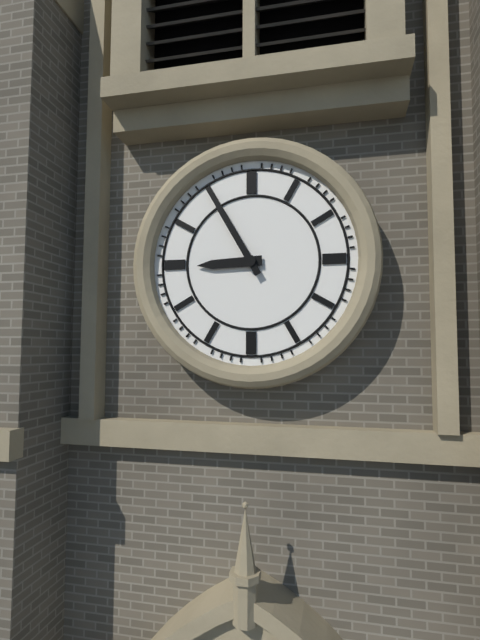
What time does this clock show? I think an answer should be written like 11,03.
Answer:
8,55
